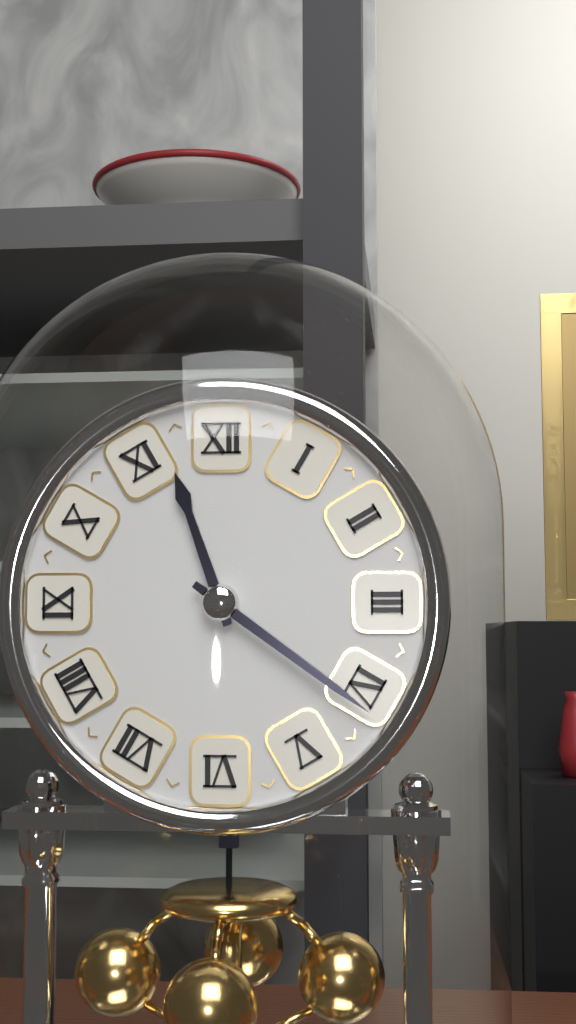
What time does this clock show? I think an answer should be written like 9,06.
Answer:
11,21
